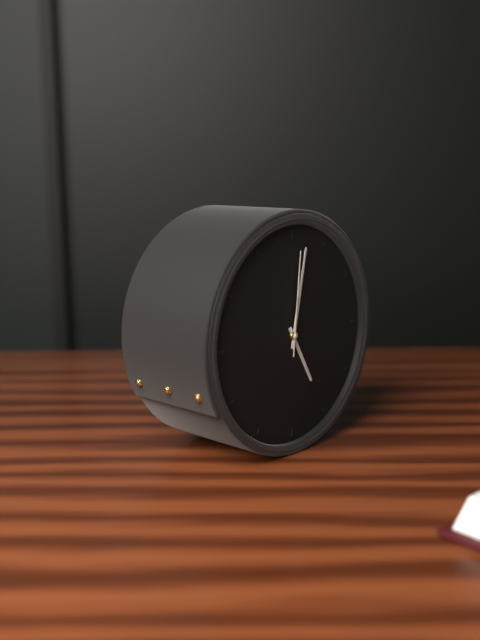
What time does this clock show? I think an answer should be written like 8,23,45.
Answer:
5,02,01
